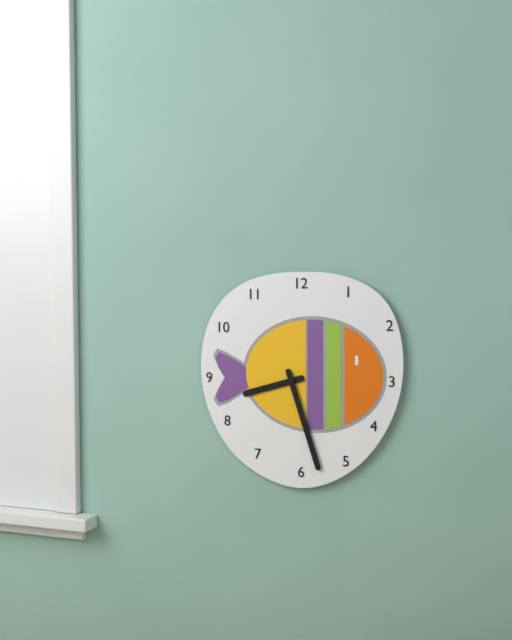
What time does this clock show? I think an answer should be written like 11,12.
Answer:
8,27
